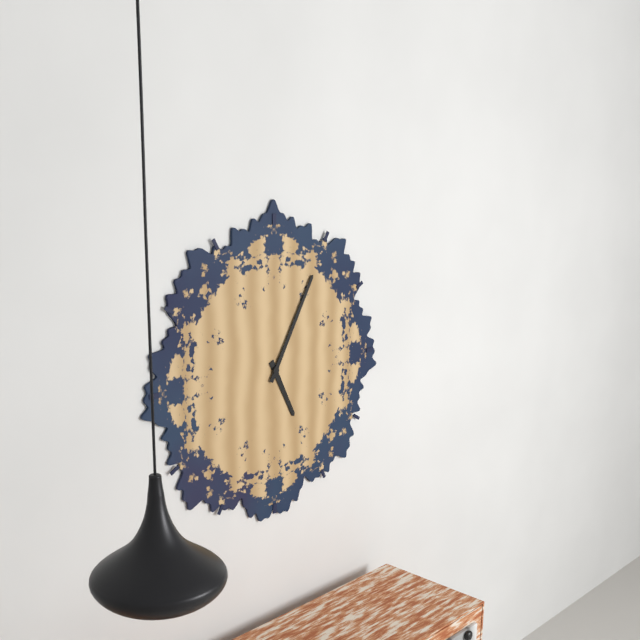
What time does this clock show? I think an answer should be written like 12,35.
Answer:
5,05
